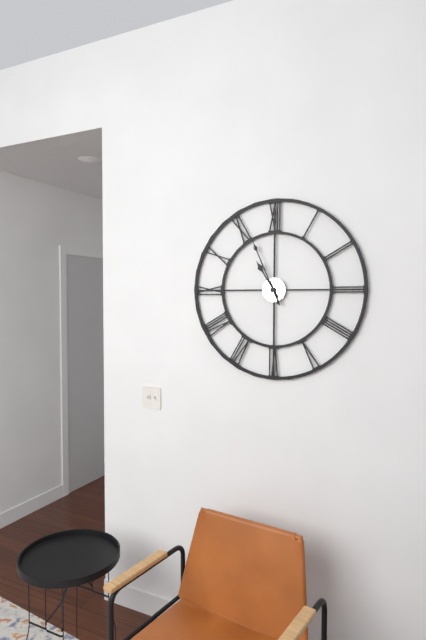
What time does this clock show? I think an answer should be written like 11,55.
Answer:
10,56
